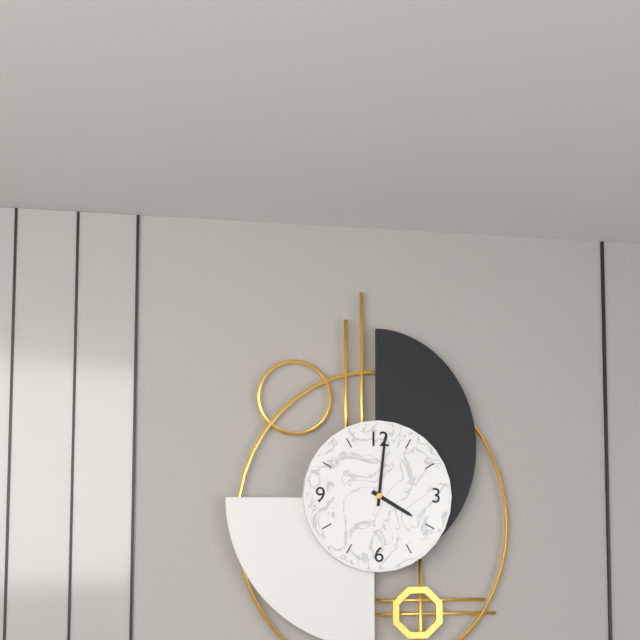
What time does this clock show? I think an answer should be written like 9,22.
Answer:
4,01
